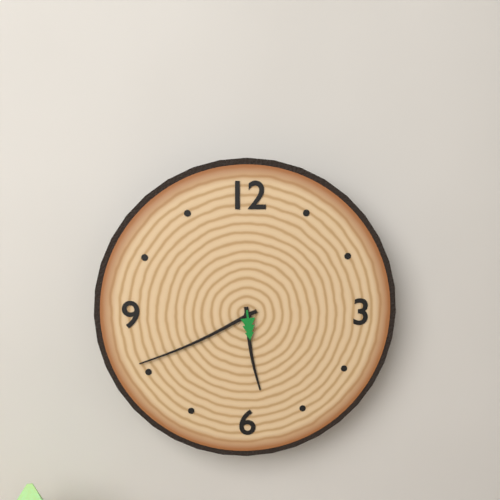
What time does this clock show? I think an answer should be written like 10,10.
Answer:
5,41
